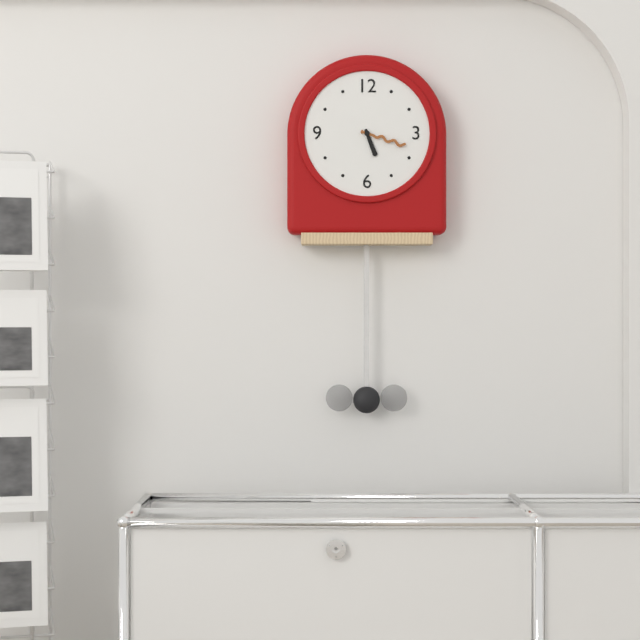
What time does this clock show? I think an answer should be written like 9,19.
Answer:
5,18
